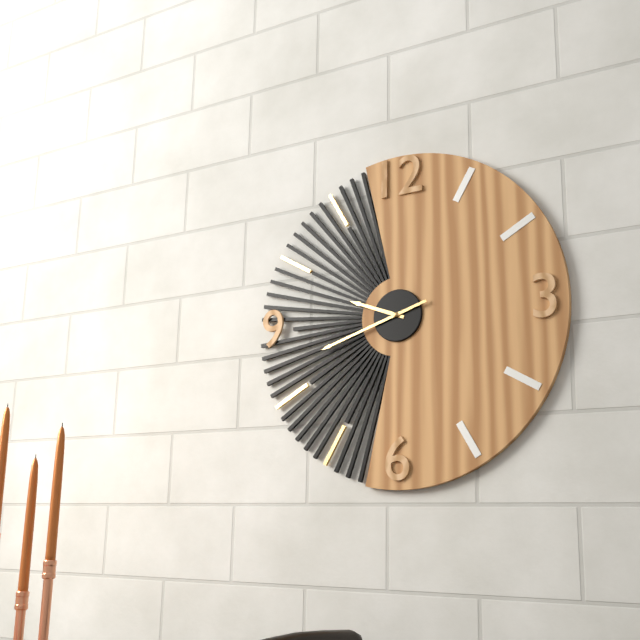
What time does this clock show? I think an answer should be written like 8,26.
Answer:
9,42
